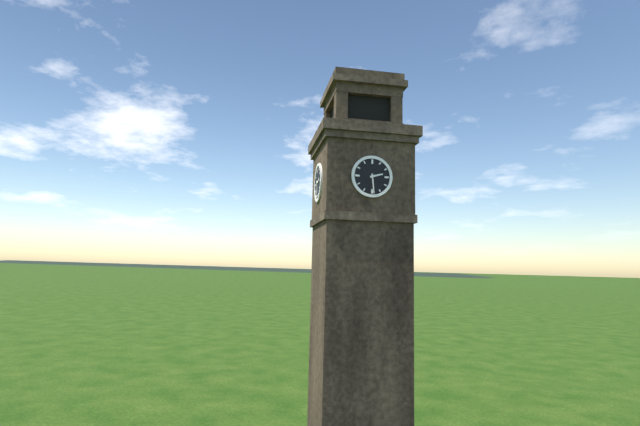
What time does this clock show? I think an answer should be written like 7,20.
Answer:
2,29
